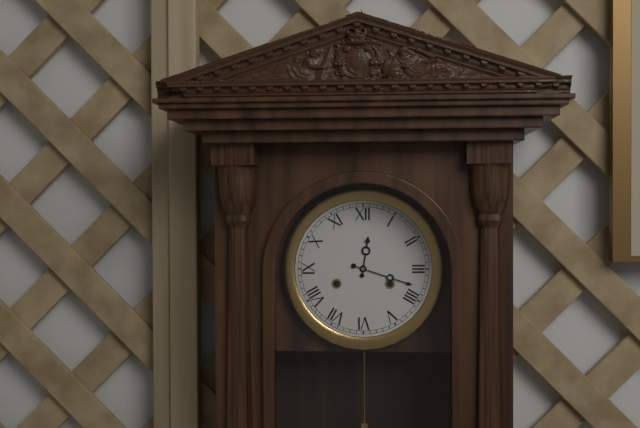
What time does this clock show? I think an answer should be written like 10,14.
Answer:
12,18
